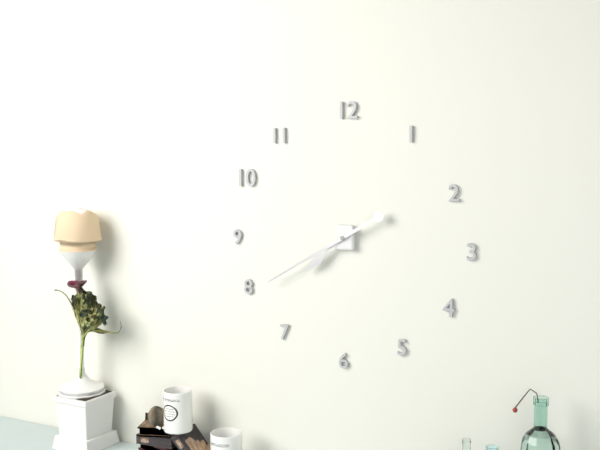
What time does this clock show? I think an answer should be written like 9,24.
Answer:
7,40
